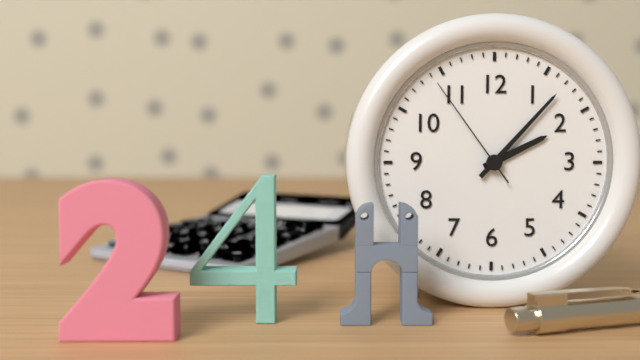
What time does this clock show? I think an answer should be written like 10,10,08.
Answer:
2,07,54
